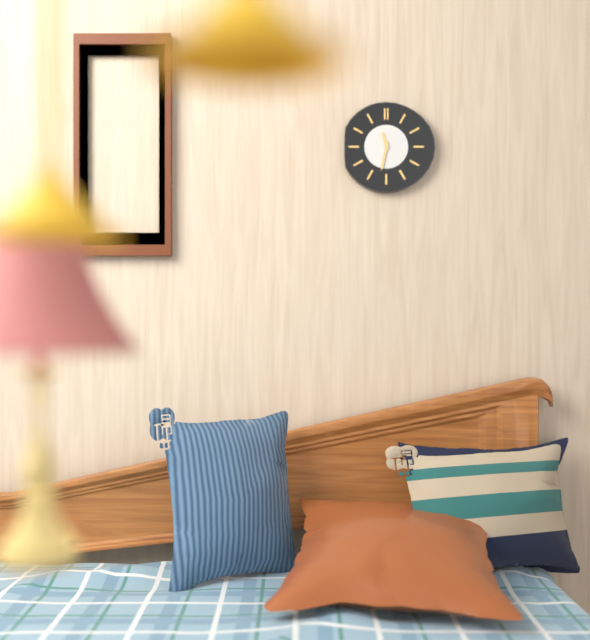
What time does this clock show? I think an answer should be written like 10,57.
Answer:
11,32
